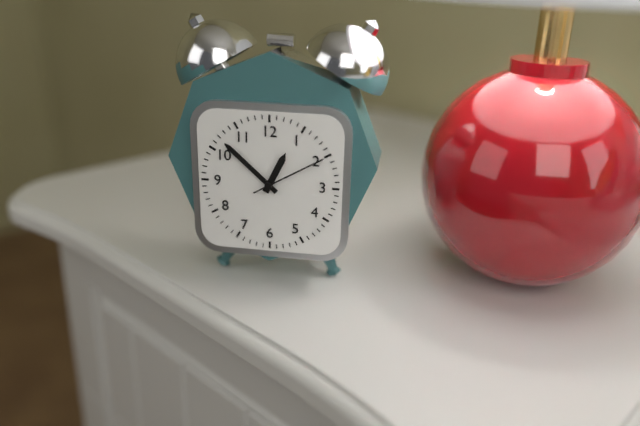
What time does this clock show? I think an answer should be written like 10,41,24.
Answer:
12,52,10
